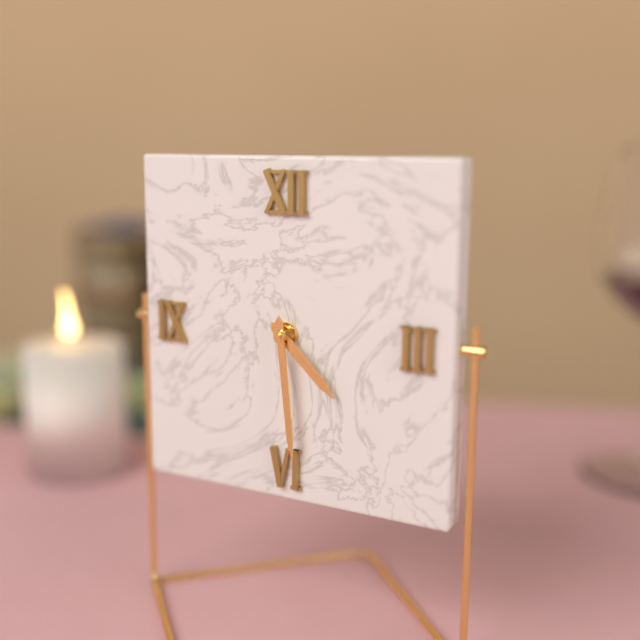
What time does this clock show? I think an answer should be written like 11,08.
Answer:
4,29
